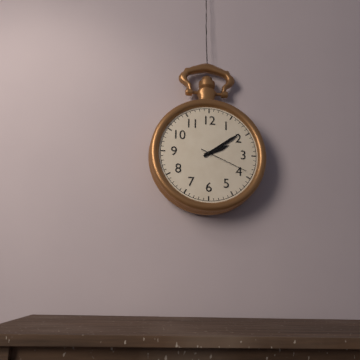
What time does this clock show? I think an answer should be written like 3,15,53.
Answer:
2,09,19
